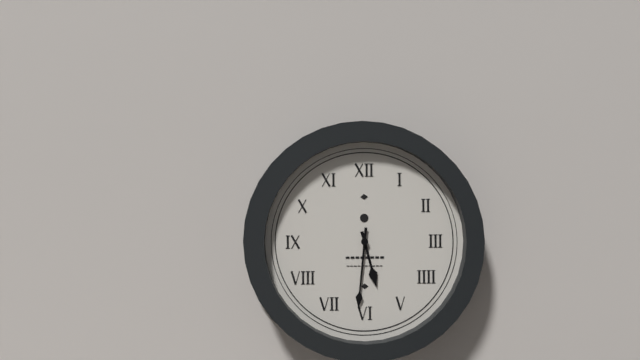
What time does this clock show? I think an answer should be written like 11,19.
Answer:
5,31
